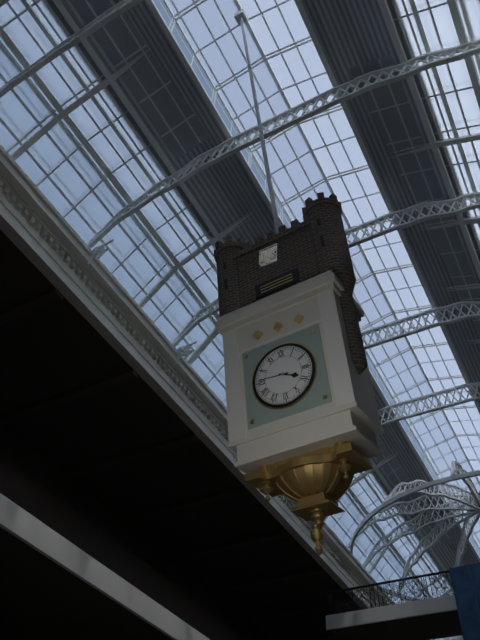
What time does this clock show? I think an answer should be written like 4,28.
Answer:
3,46
